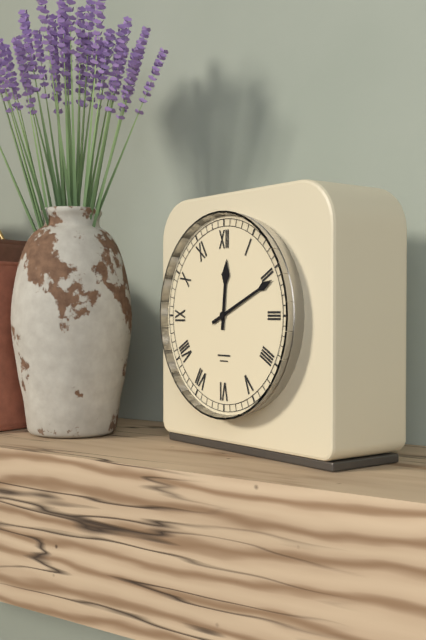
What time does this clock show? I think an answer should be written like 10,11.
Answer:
12,11
